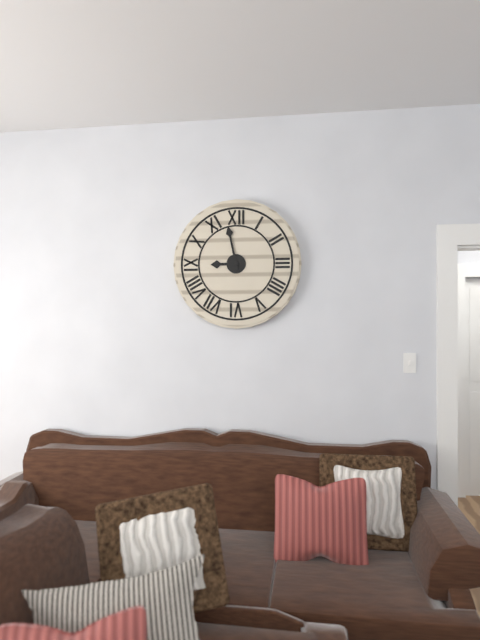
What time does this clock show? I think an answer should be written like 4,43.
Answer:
8,58
